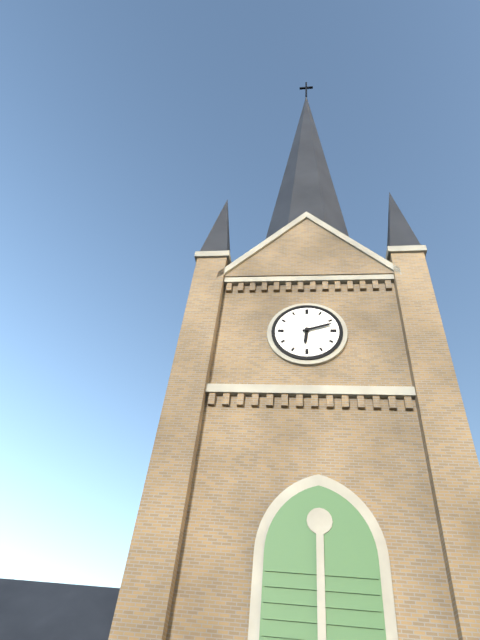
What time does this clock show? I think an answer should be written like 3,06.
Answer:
6,12
